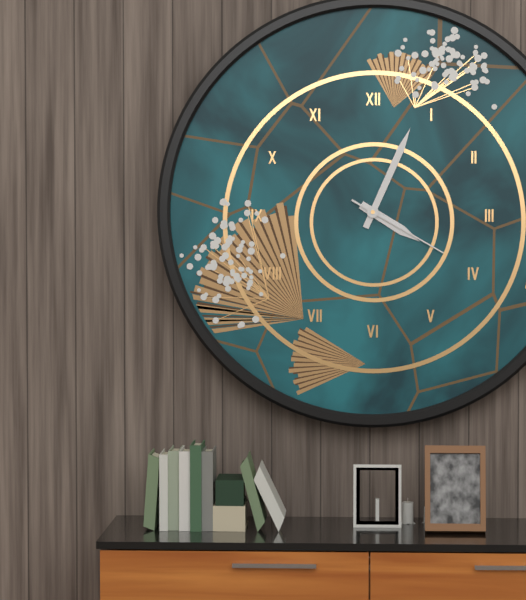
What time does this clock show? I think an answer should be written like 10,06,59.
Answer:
4,04,20
